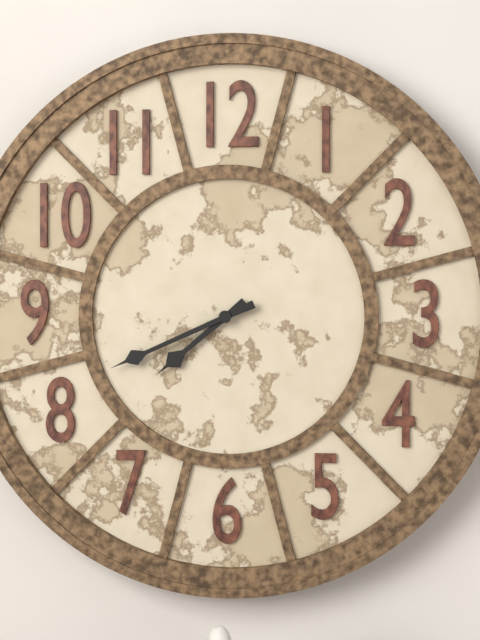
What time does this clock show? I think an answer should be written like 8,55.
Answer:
7,41
